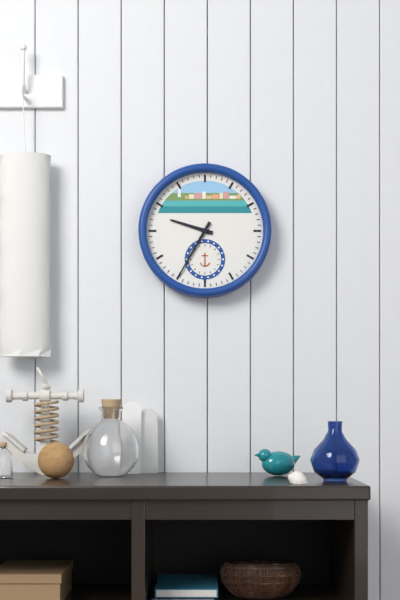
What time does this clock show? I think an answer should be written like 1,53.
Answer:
9,35
